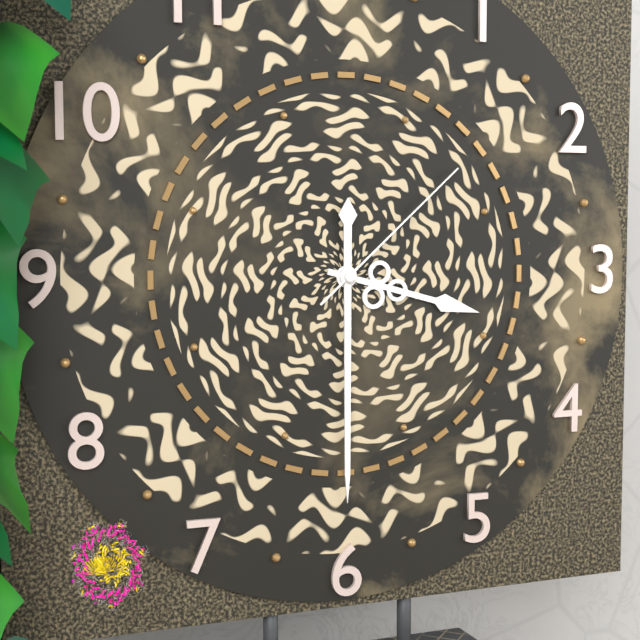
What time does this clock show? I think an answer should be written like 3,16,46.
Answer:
3,30,08
